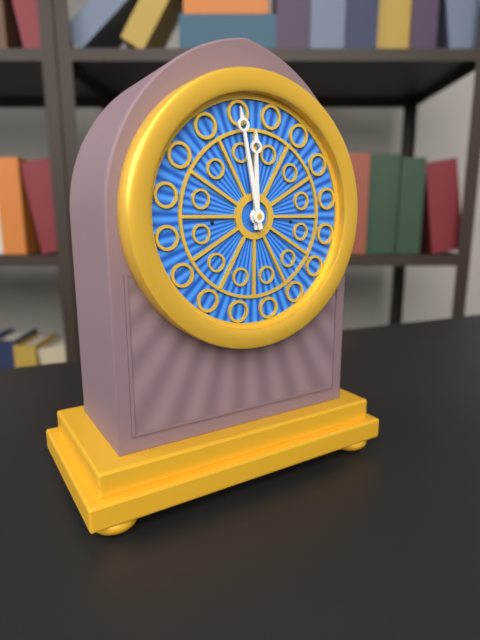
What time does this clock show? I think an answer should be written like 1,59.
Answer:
11,58
